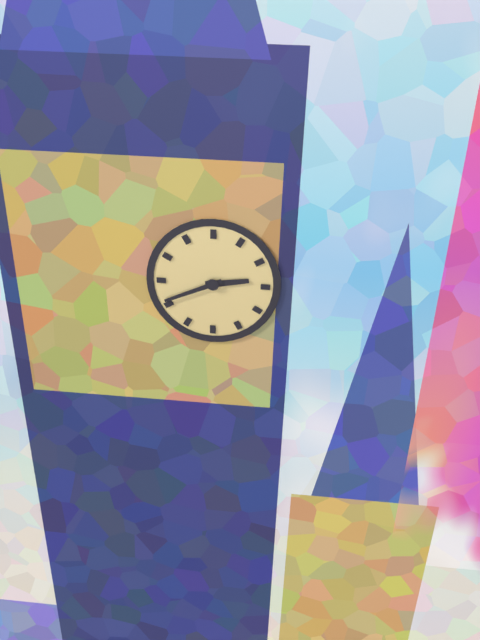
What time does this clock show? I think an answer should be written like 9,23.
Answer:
2,41
